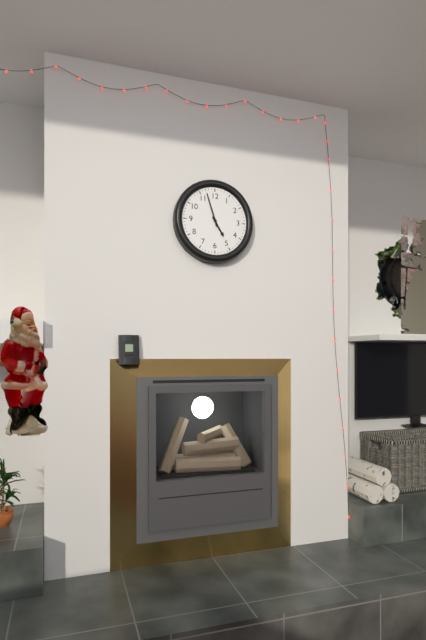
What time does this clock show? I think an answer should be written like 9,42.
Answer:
4,57
